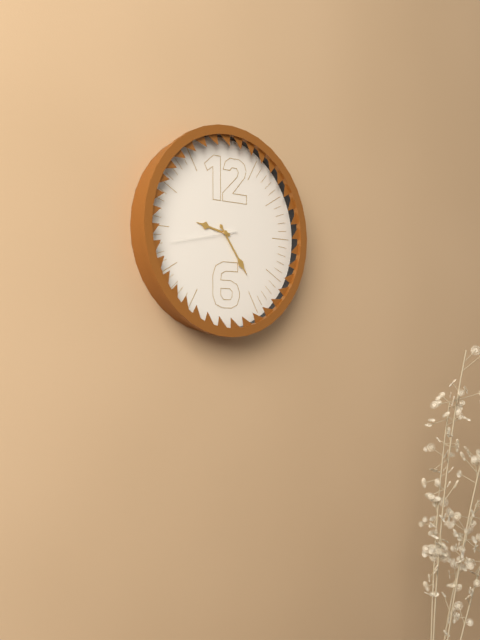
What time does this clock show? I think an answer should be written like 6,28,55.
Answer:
9,24,43
